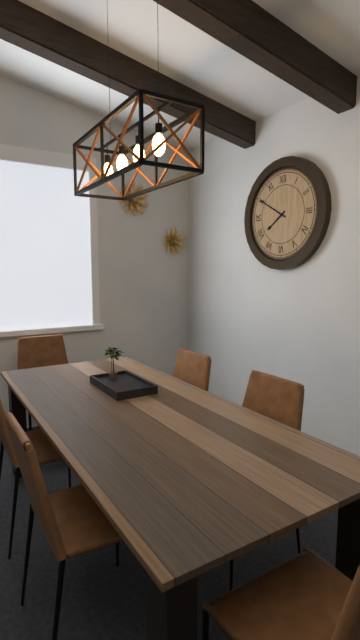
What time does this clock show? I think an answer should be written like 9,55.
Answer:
7,50
